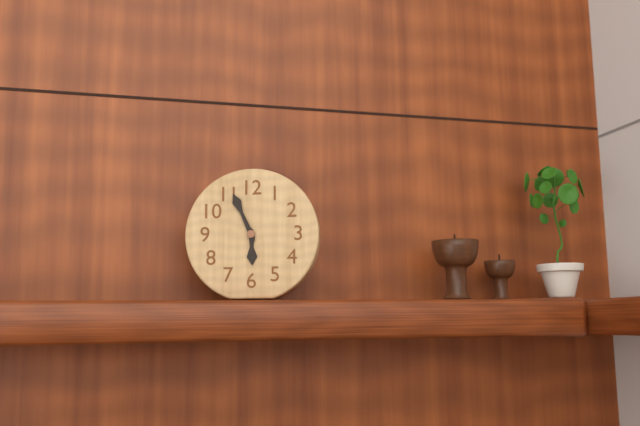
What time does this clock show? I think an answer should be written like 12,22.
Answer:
5,56
